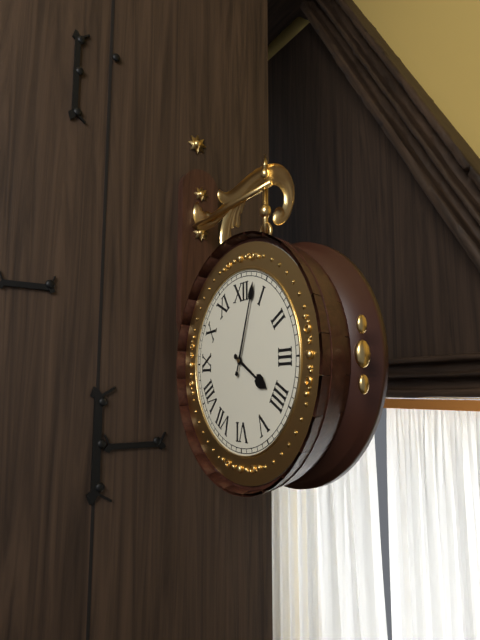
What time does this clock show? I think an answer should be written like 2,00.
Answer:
4,03
